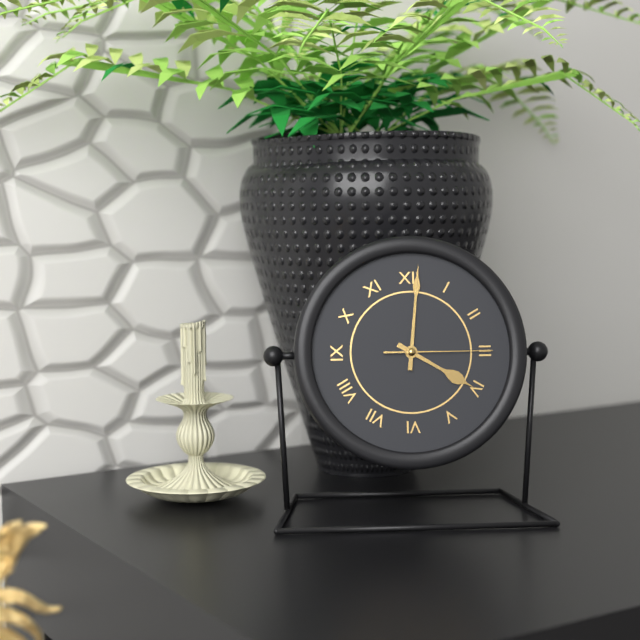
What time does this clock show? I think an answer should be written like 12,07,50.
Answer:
4,01,15
